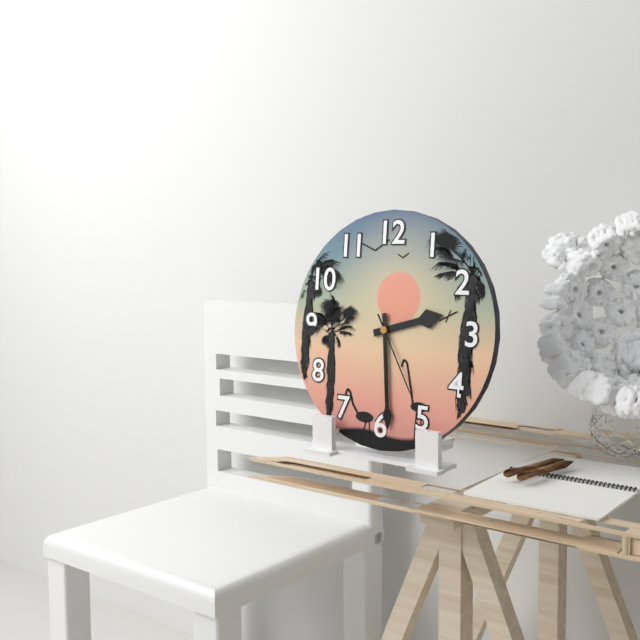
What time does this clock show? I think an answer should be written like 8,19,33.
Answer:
2,29,25
